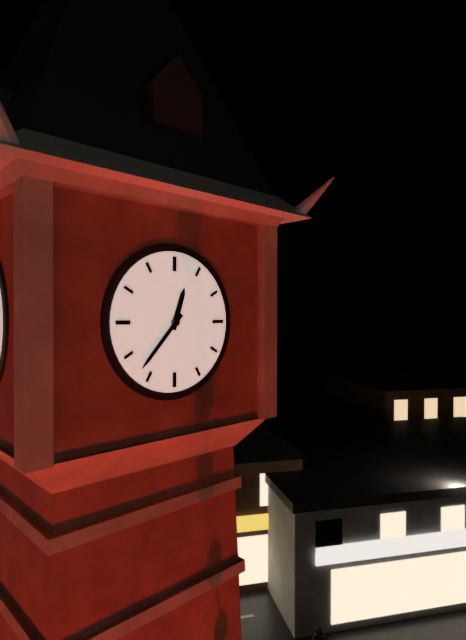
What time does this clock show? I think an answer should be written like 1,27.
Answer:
12,37
